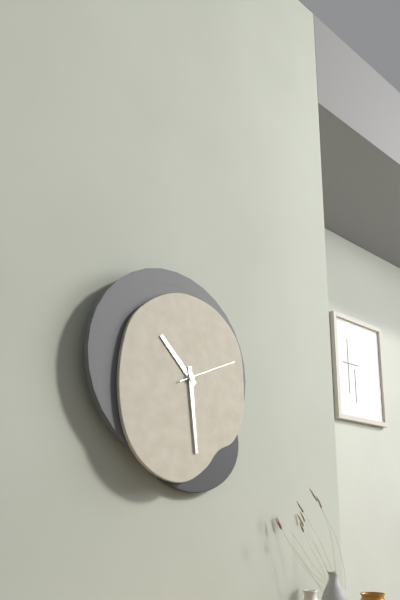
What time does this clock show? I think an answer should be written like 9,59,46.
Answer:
10,29,11
